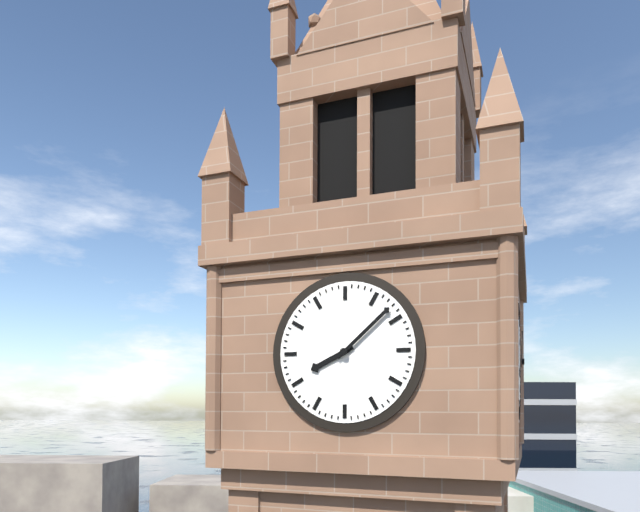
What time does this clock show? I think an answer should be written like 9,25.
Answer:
8,08
